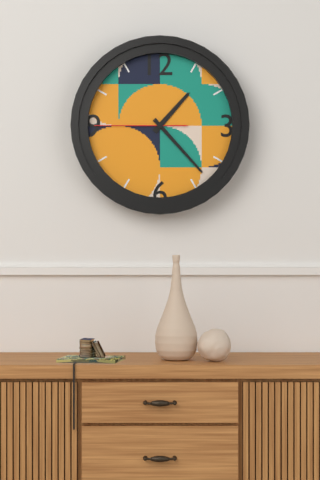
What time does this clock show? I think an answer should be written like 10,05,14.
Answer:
1,23,45
